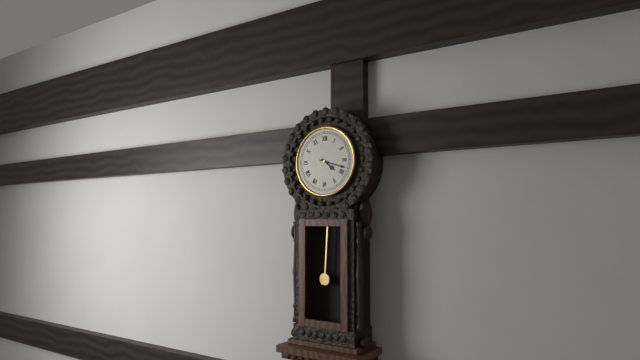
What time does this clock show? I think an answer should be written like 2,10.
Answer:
4,18
